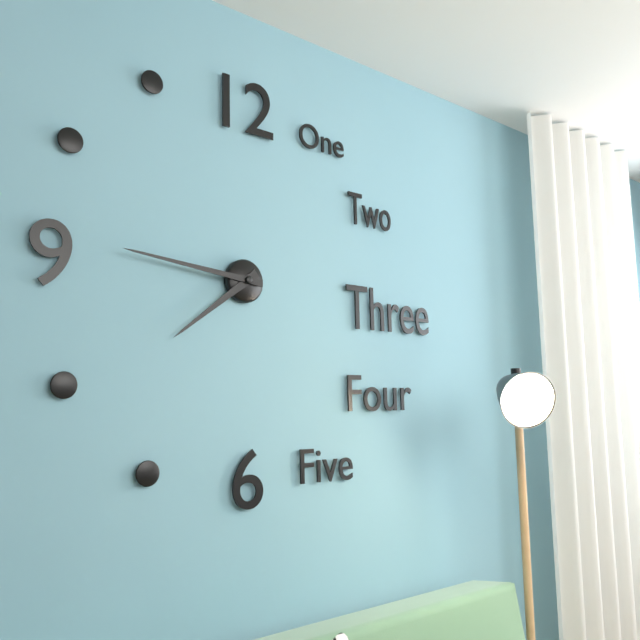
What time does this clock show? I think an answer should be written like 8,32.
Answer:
7,46
